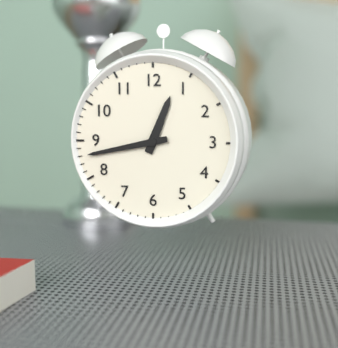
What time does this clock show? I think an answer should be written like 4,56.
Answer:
12,43
